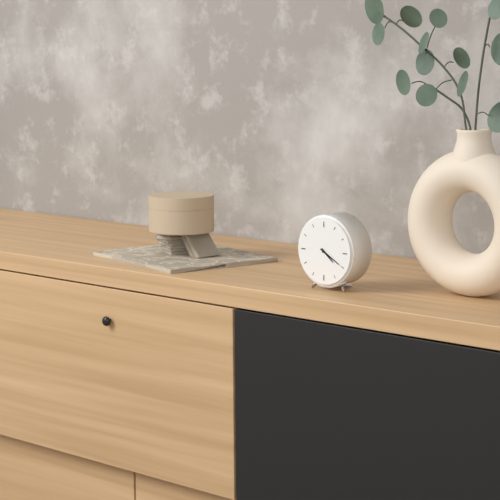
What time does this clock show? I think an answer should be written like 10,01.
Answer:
4,20
